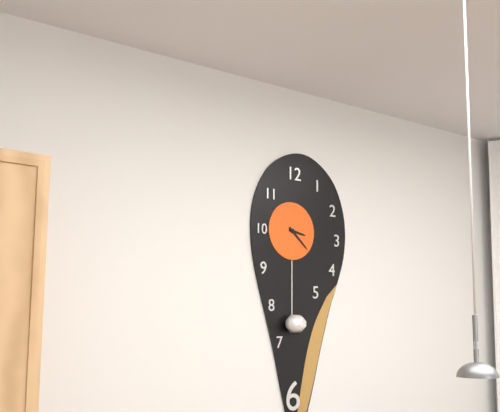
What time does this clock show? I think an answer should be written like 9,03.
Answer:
3,22
